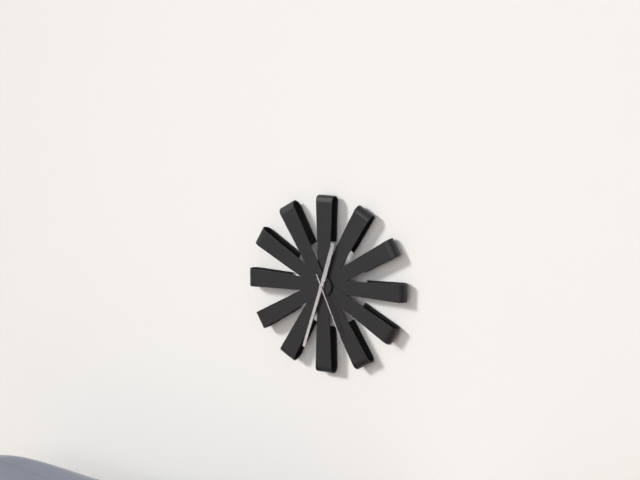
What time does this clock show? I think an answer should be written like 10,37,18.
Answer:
12,33,26
